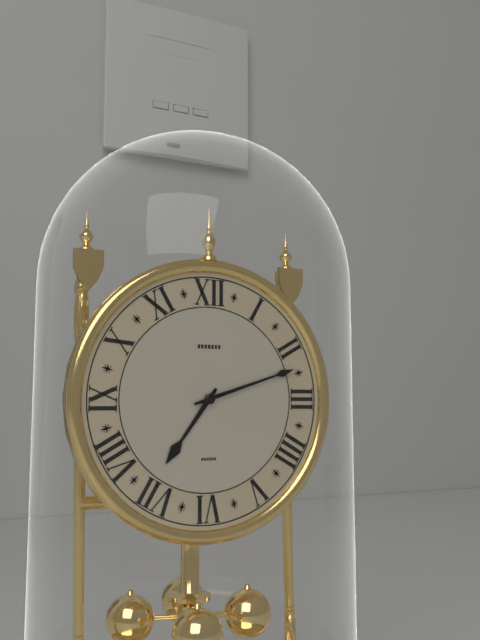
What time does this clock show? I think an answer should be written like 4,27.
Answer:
7,12
